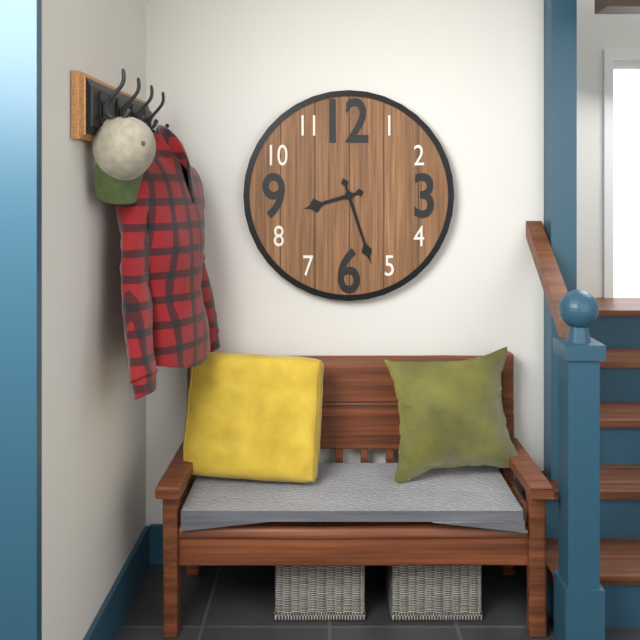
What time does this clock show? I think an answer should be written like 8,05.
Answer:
8,27
